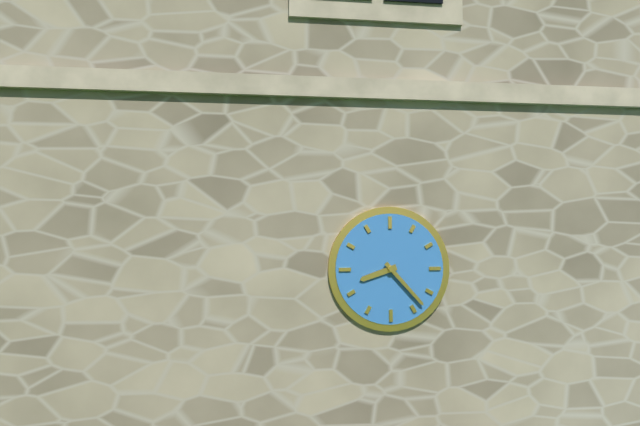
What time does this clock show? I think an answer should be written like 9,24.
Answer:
8,23
